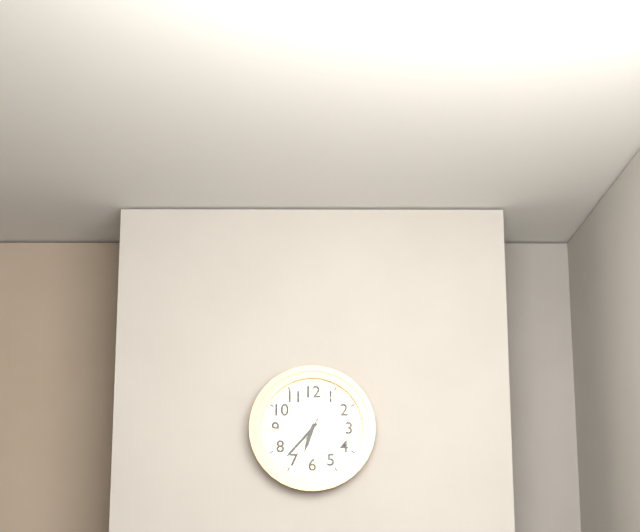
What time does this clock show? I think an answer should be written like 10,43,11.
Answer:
6,37,35
